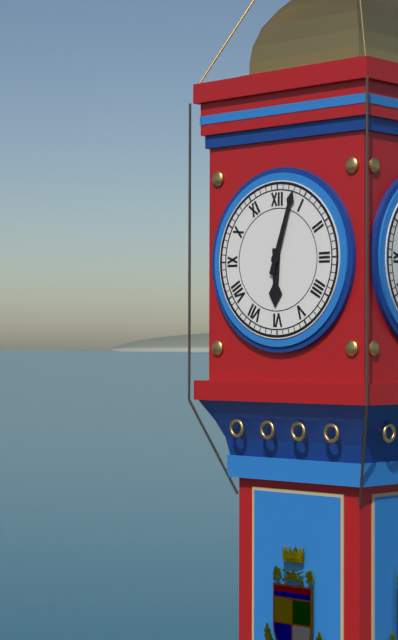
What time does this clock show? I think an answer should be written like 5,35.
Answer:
6,03
